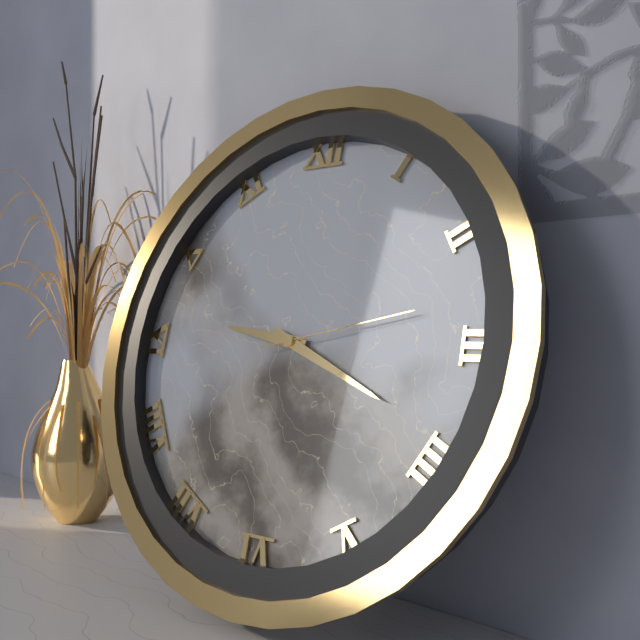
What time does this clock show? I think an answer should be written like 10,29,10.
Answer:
9,19,13
